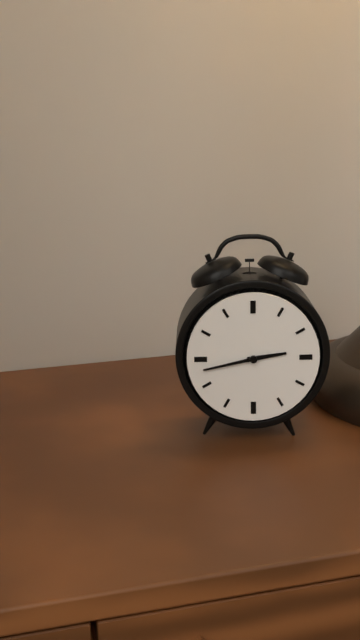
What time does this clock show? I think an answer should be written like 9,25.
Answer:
2,43
